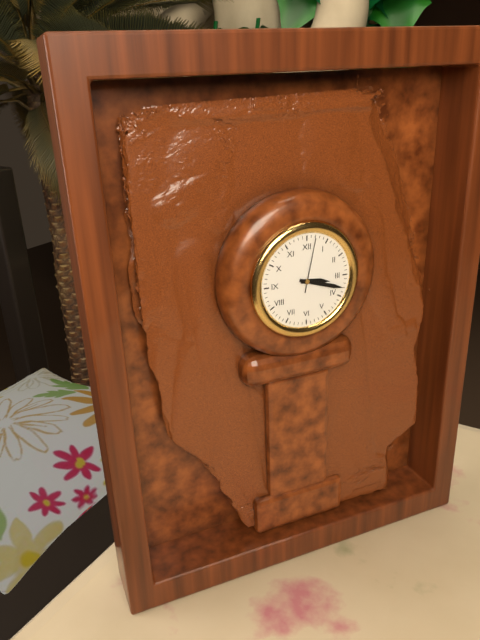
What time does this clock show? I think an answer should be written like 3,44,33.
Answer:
3,18,02
